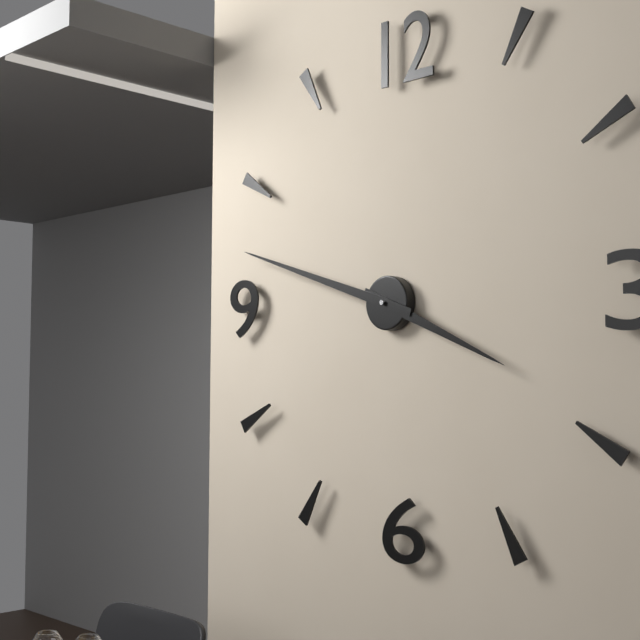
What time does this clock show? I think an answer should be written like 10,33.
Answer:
3,48
